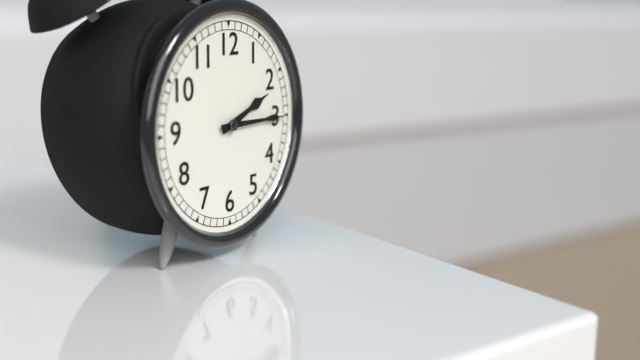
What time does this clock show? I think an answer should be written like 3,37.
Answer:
2,15
